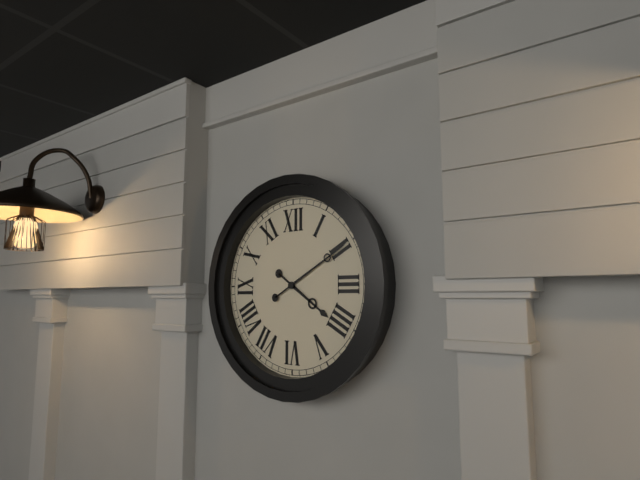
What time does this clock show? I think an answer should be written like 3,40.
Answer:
4,10
